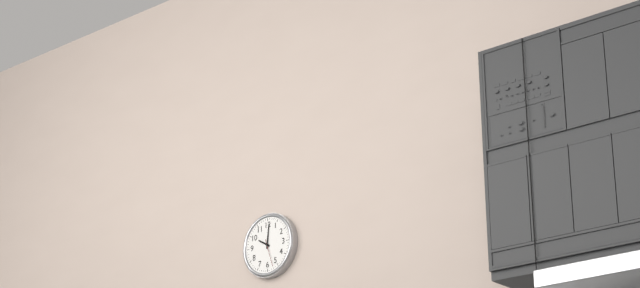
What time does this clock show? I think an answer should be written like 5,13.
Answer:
10,01
